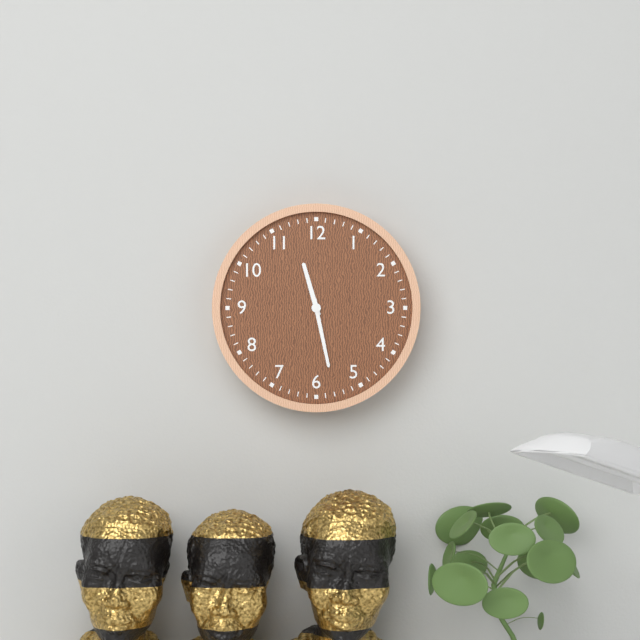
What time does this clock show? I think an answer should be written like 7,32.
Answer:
11,28
